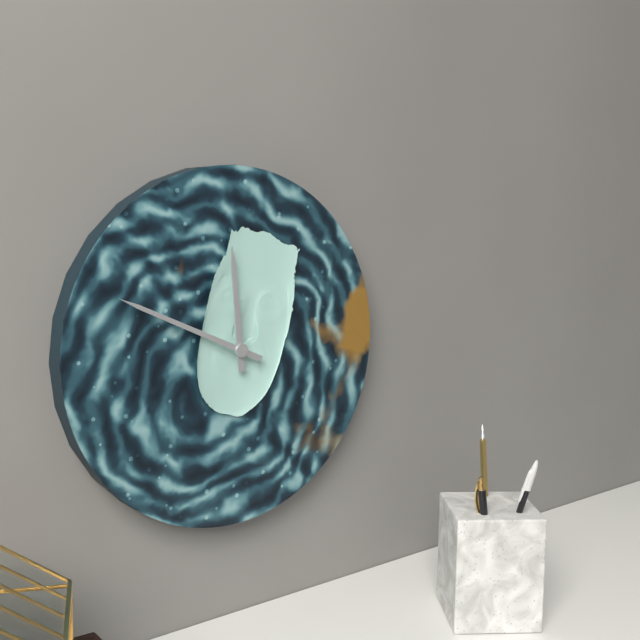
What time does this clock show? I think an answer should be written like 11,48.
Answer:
11,49
